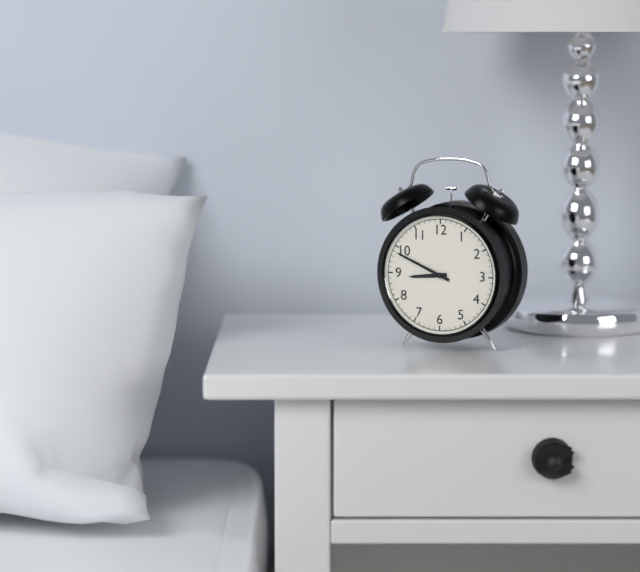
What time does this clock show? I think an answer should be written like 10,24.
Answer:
8,49
